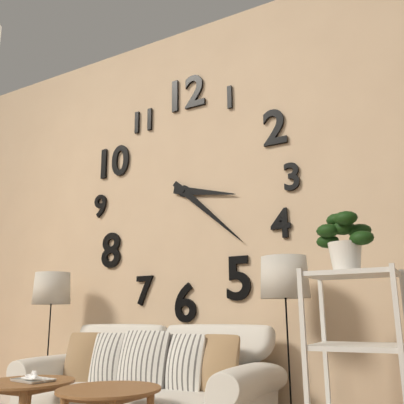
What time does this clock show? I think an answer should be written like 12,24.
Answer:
3,22
